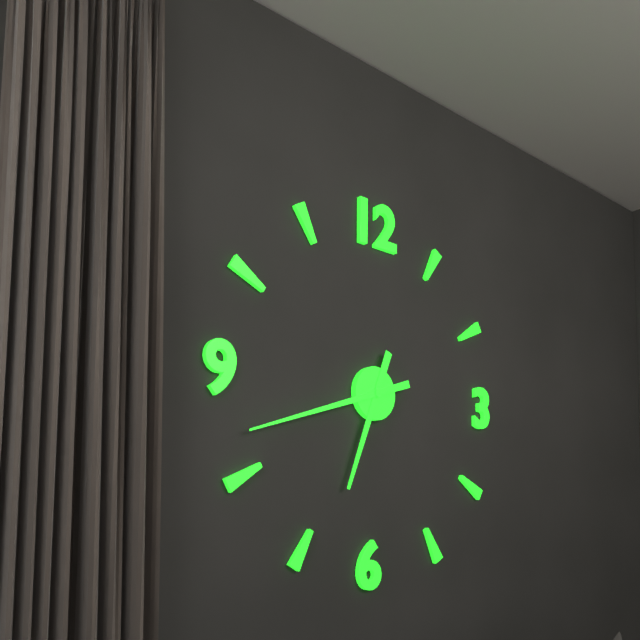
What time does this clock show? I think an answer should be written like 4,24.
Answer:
6,42
